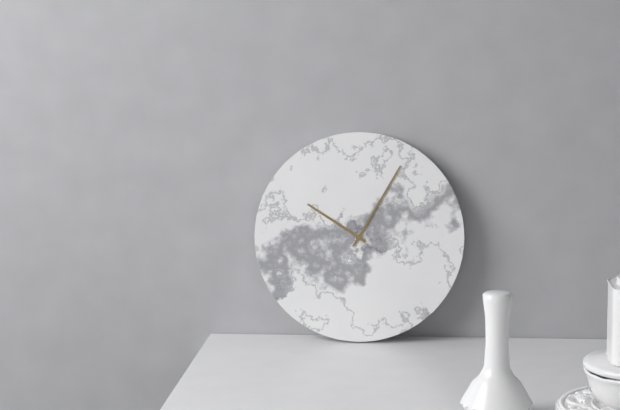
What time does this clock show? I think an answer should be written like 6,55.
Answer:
10,05
